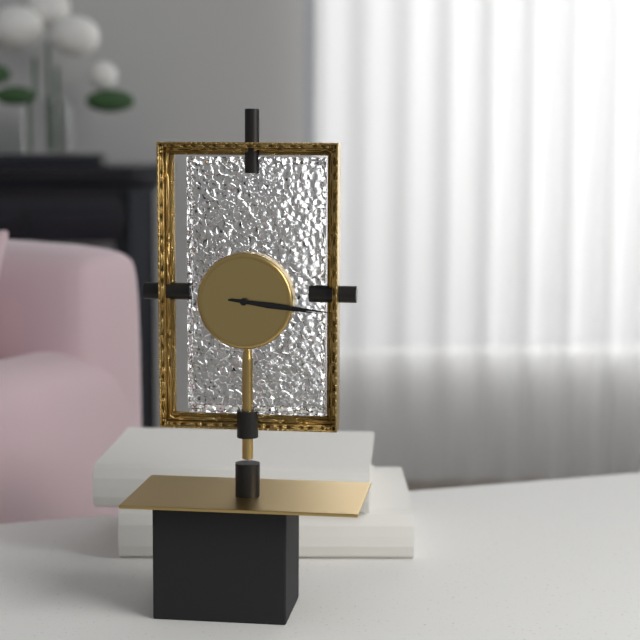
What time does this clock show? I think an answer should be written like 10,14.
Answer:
3,16
